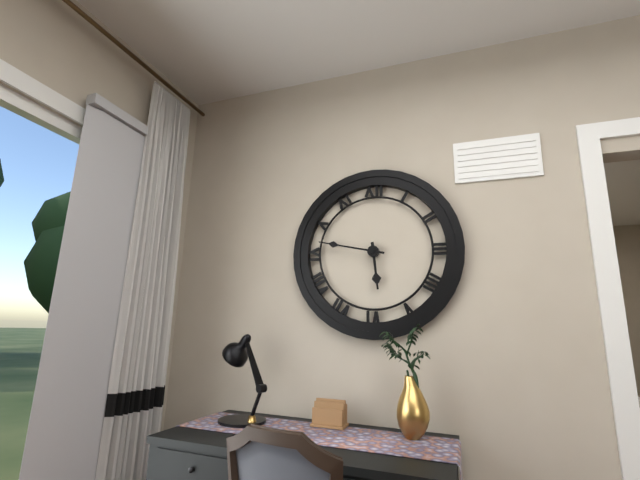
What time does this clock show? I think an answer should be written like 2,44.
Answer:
5,47
